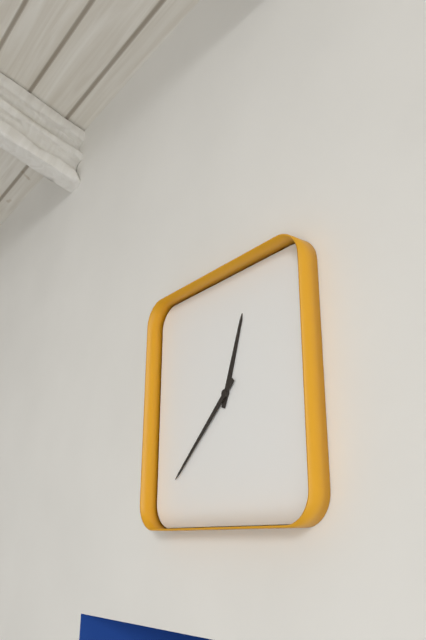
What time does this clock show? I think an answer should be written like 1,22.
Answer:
12,38
